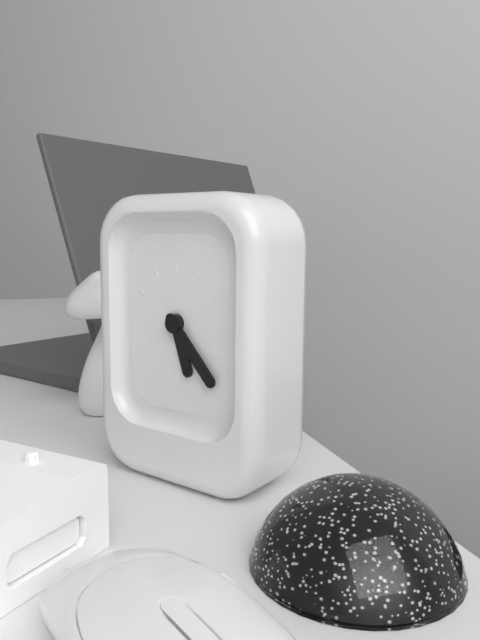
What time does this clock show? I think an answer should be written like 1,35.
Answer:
5,23
